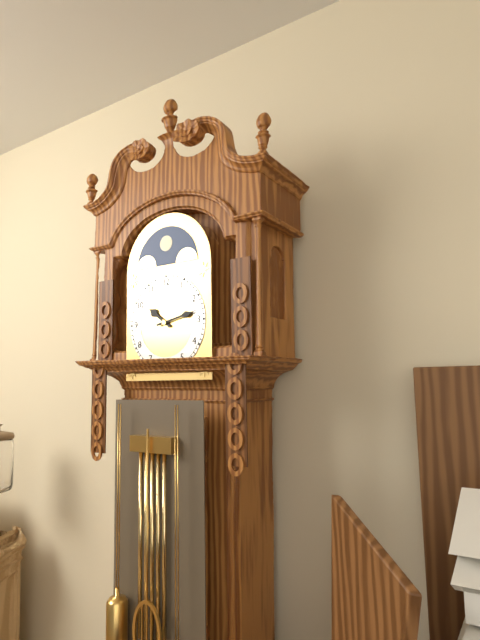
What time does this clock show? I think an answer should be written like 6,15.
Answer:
10,13
